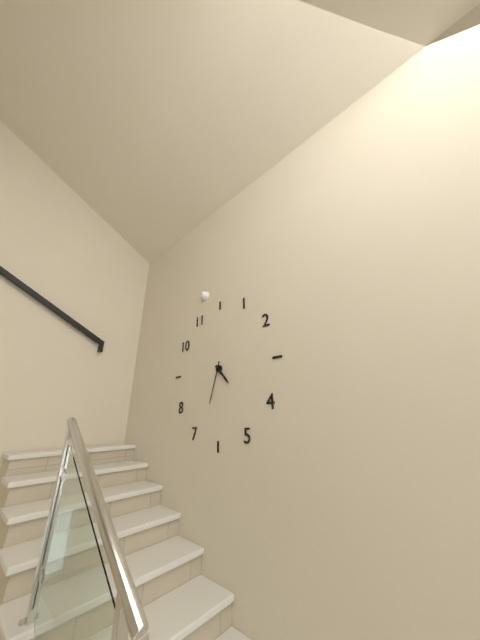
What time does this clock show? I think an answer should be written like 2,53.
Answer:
4,33
